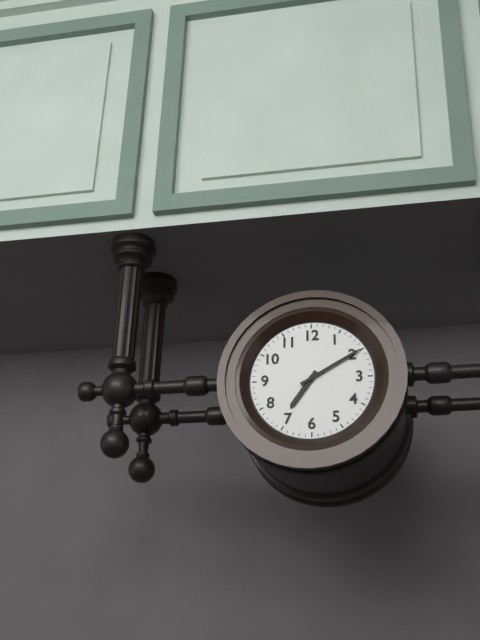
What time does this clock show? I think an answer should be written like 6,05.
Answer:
7,10
